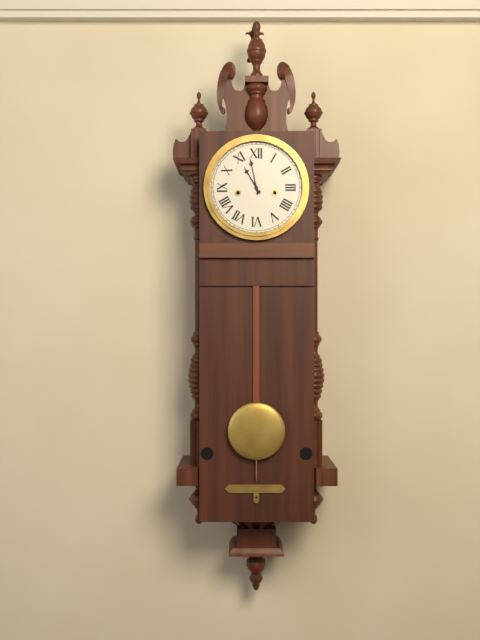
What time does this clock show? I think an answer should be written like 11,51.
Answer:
10,58
